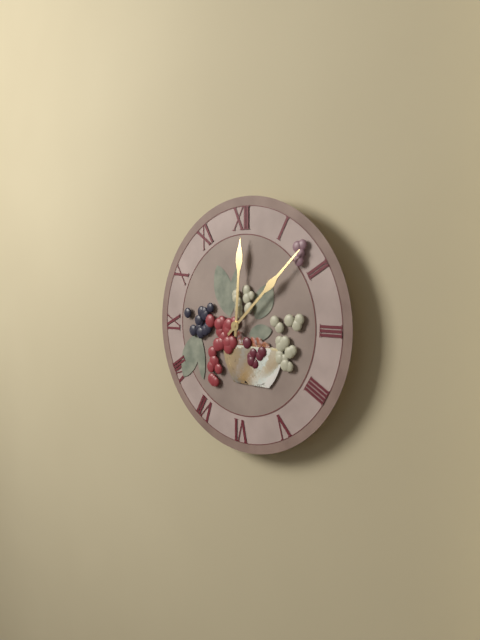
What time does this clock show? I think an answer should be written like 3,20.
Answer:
12,08
